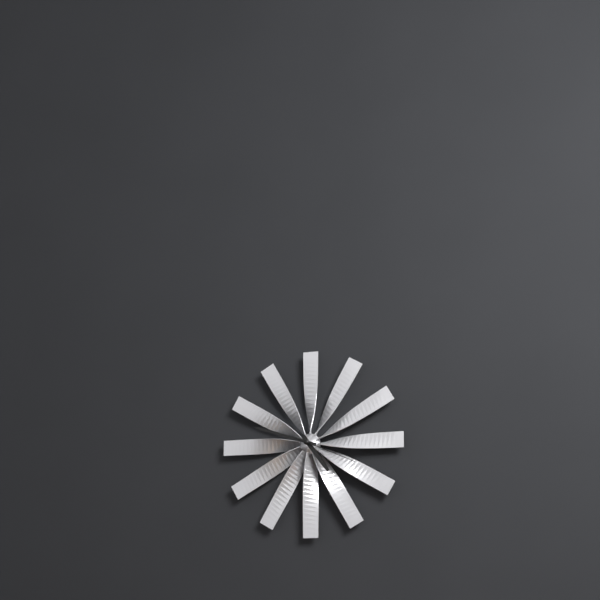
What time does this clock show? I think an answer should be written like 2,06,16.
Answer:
4,48,19
